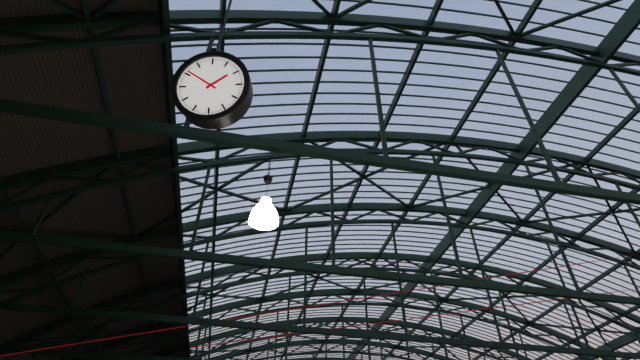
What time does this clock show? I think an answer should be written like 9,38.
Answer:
1,51
